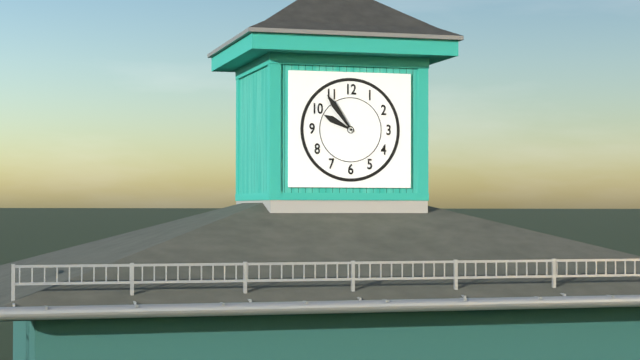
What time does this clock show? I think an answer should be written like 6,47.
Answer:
9,54
